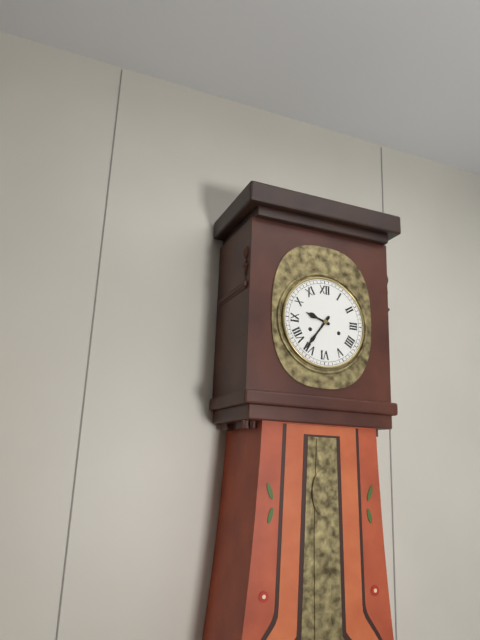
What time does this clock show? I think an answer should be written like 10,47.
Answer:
9,36
